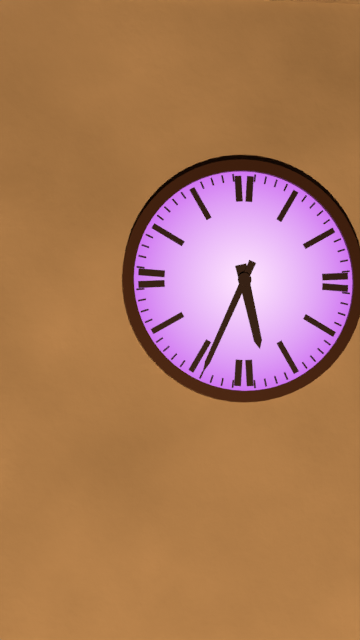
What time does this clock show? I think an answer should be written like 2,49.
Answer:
5,34
